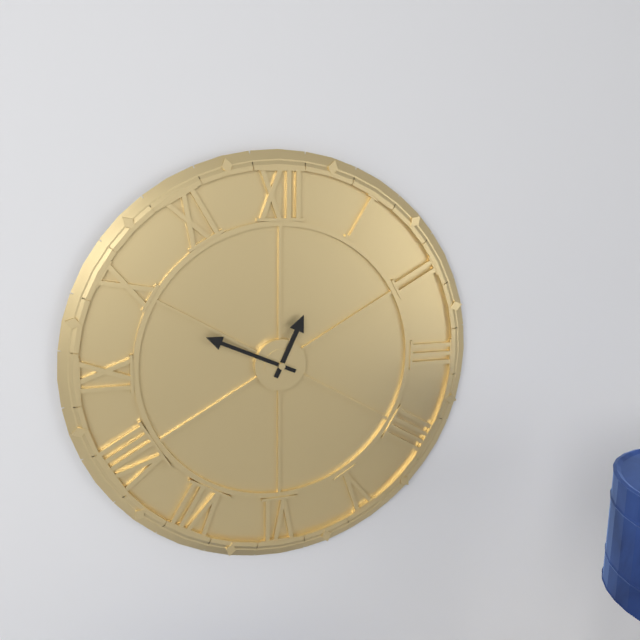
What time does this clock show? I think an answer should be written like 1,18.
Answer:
12,49
